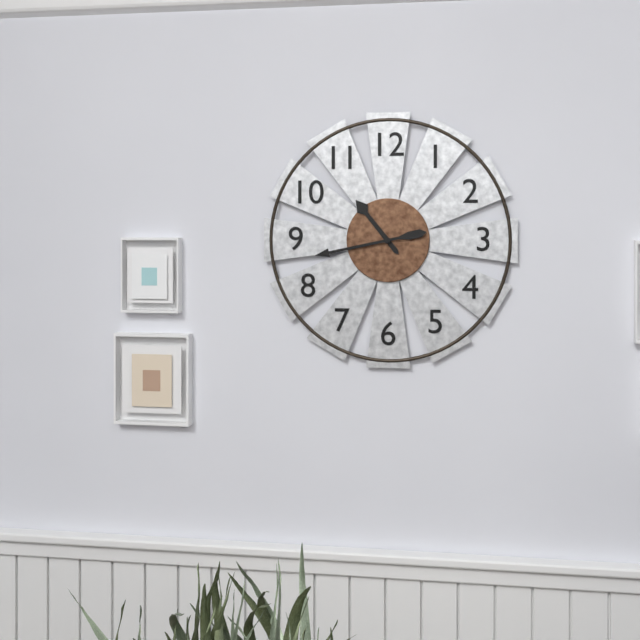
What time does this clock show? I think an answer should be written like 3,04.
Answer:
10,43
